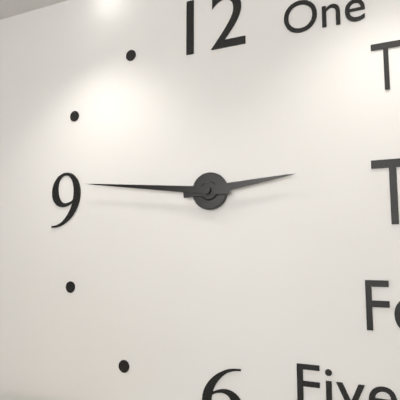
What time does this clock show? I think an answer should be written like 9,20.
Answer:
2,46
